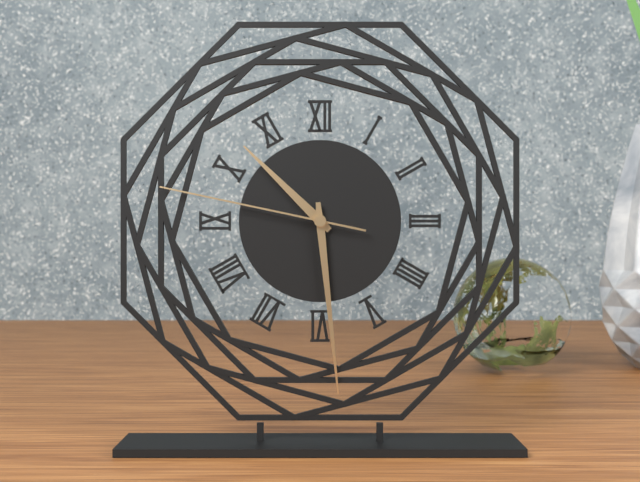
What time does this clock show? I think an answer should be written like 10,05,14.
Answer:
10,29,47
